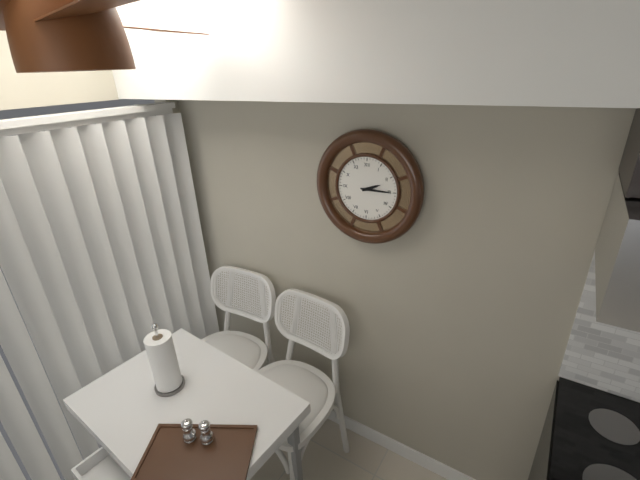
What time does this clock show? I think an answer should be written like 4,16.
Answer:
2,15
